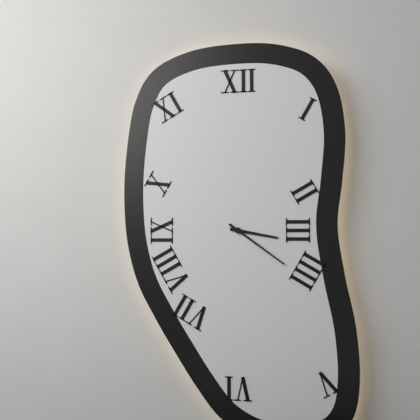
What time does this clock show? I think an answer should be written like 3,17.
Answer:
3,21
